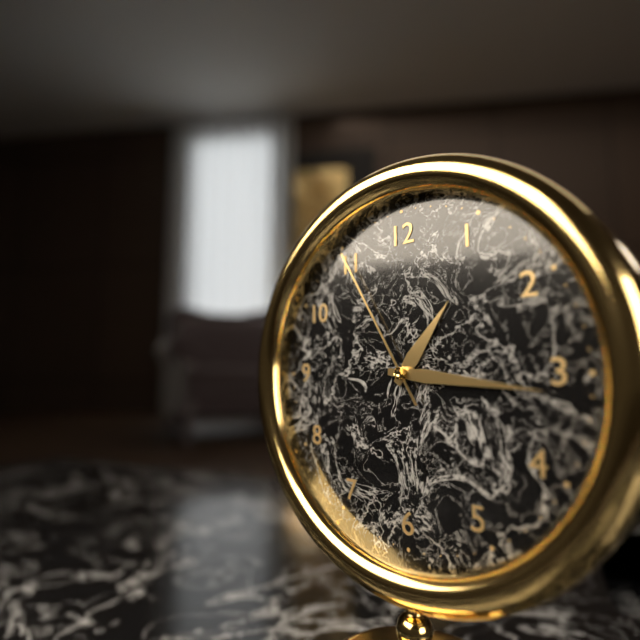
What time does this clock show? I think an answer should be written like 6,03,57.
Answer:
1,16,55
